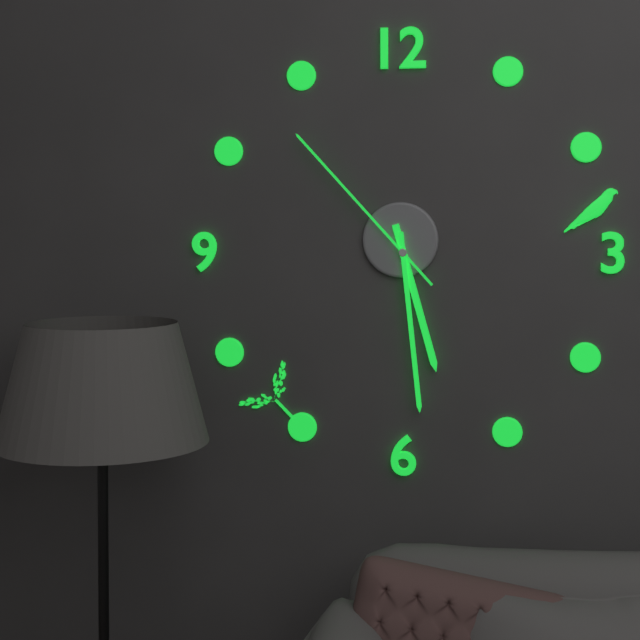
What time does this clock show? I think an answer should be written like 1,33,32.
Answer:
5,29,53
